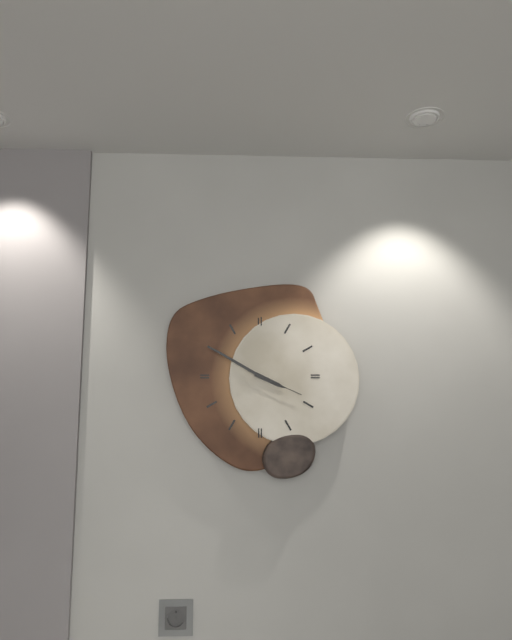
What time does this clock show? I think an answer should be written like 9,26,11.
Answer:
3,50,19
